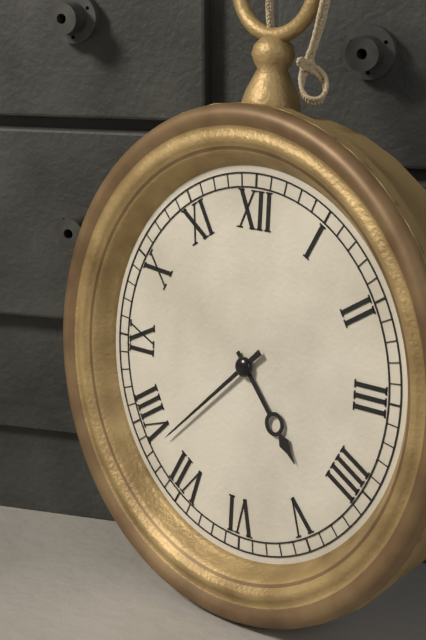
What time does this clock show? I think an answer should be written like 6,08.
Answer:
4,38
